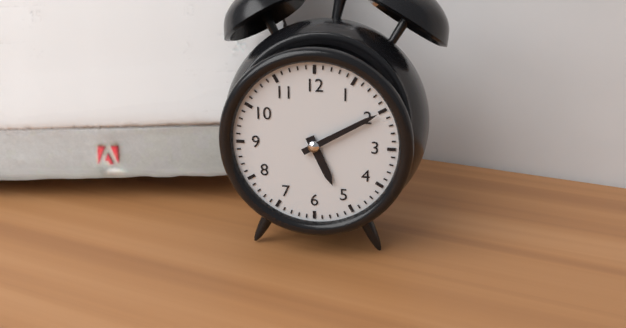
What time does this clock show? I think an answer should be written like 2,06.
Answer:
5,10
